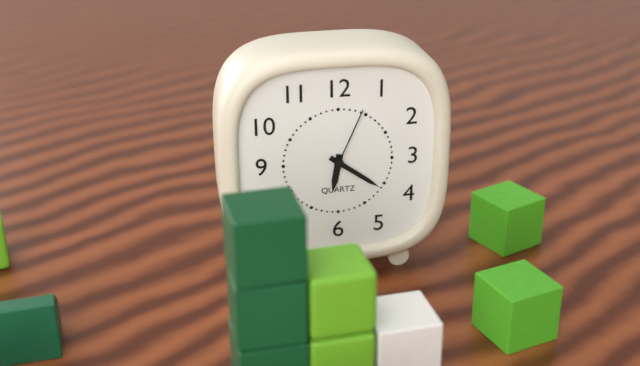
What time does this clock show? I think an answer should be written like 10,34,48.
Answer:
6,21,04
